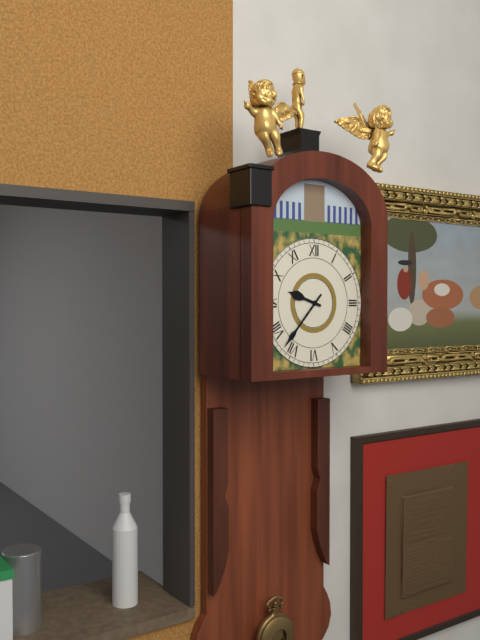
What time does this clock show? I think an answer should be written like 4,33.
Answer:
9,37
